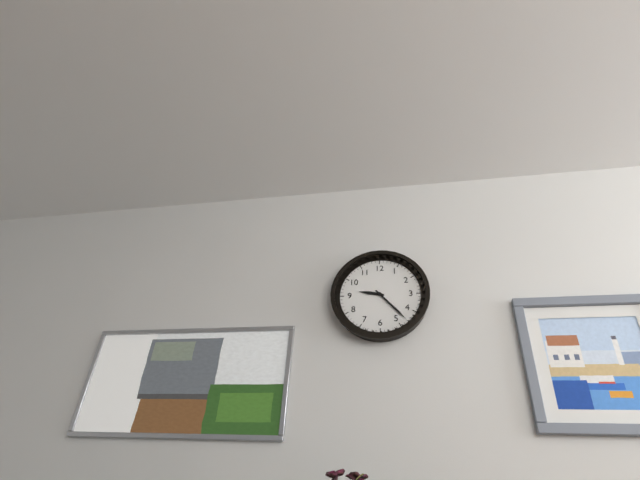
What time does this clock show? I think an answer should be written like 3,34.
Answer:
9,23
